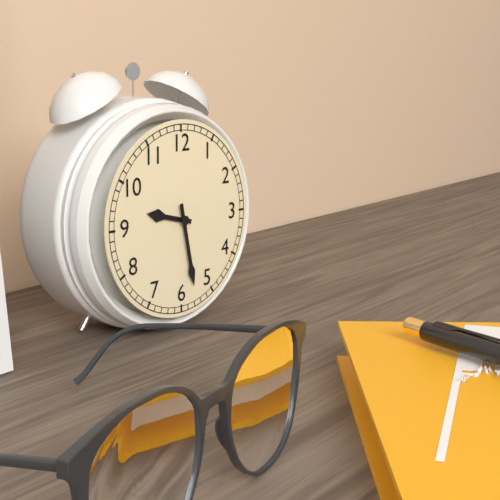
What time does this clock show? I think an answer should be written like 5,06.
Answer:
9,28
